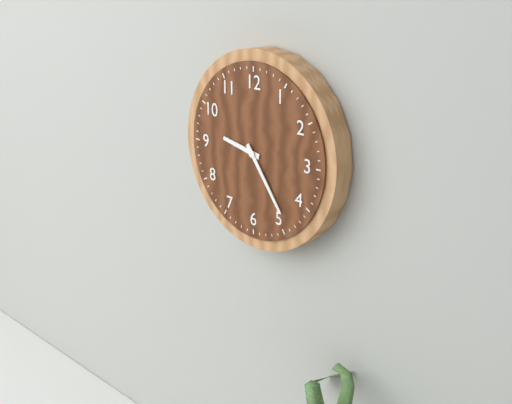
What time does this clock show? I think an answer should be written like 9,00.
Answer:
9,24
